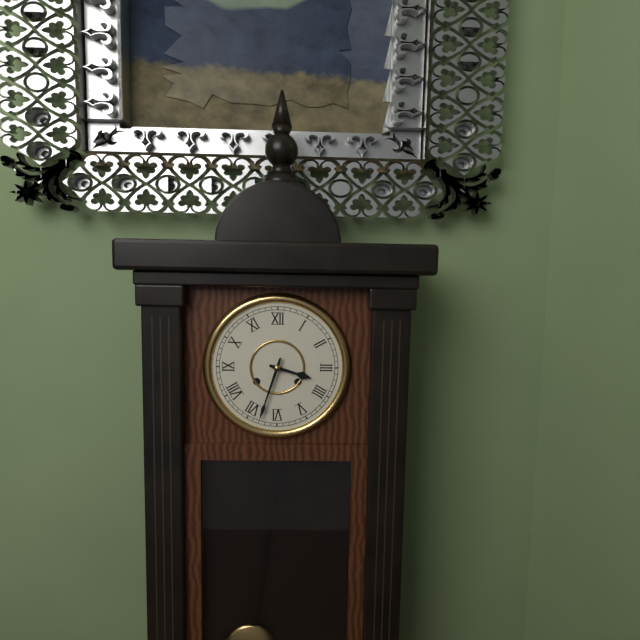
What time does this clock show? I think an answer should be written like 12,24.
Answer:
3,33
